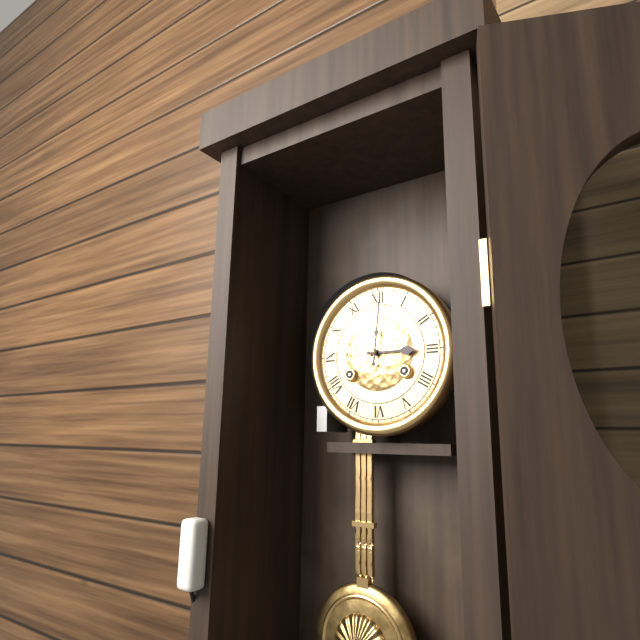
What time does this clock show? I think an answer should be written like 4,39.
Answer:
3,01
